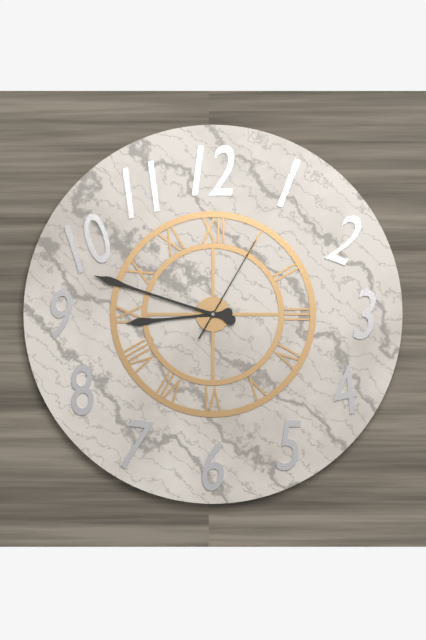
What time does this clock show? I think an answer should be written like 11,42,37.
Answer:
8,48,05
